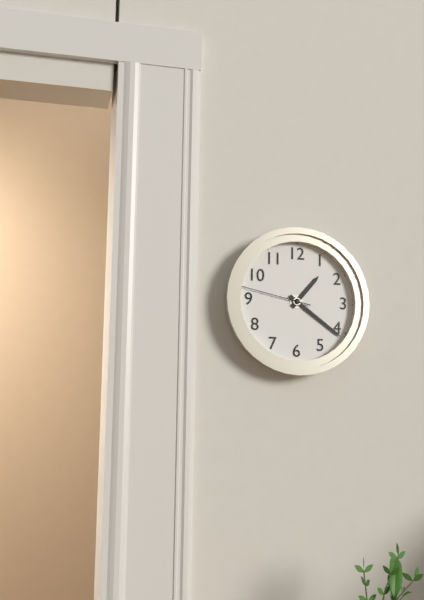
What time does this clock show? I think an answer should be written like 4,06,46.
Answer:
1,21,47
